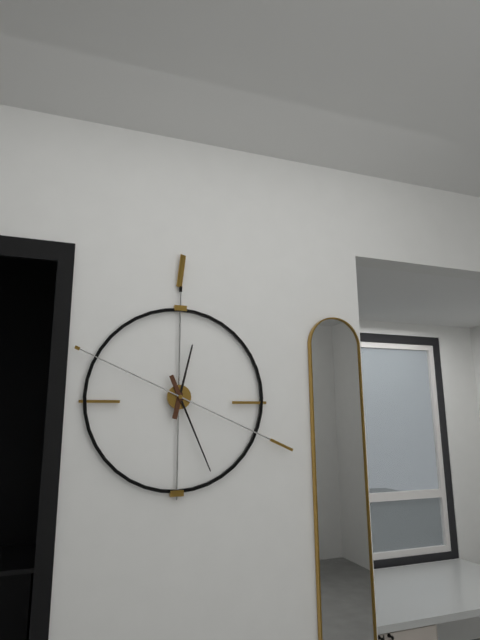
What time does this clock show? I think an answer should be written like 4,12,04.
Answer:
12,26,19
